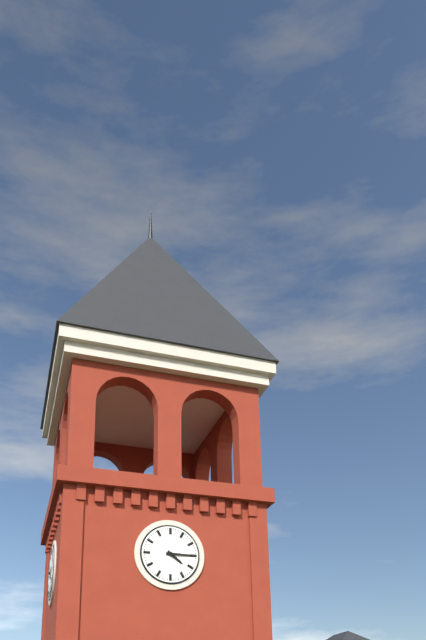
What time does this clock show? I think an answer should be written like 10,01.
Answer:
4,15
